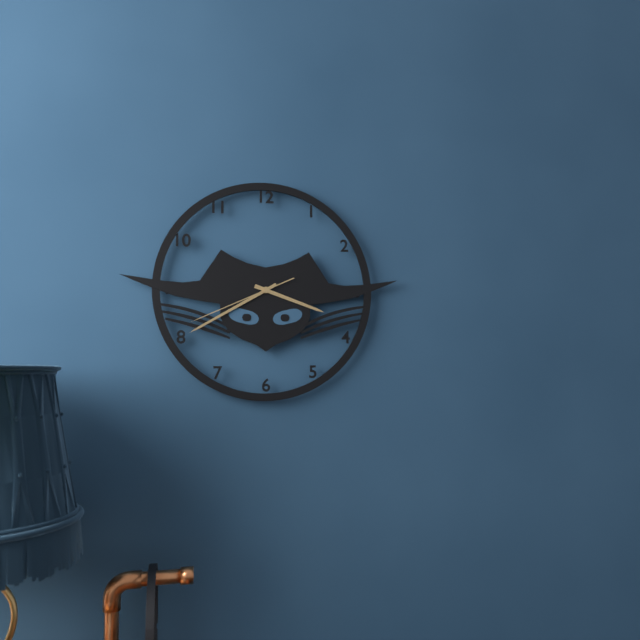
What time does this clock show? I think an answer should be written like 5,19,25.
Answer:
3,40,41
